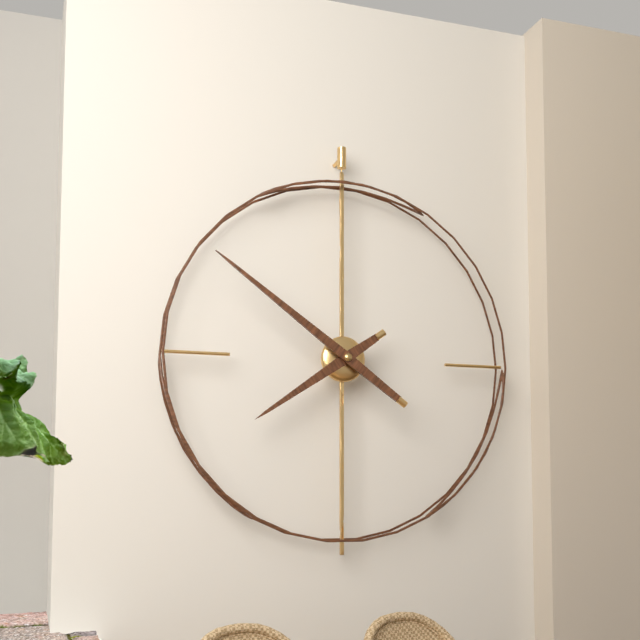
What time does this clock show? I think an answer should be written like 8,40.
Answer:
7,51
